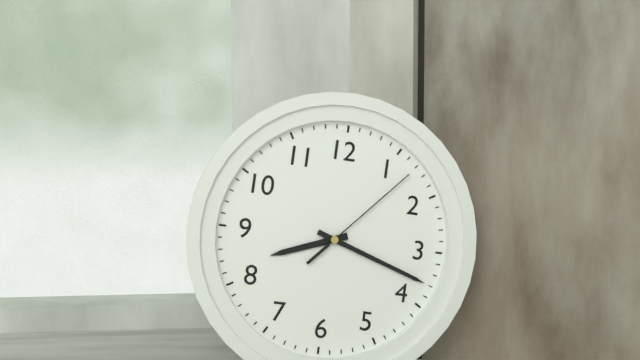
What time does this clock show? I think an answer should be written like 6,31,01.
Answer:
8,18,07
